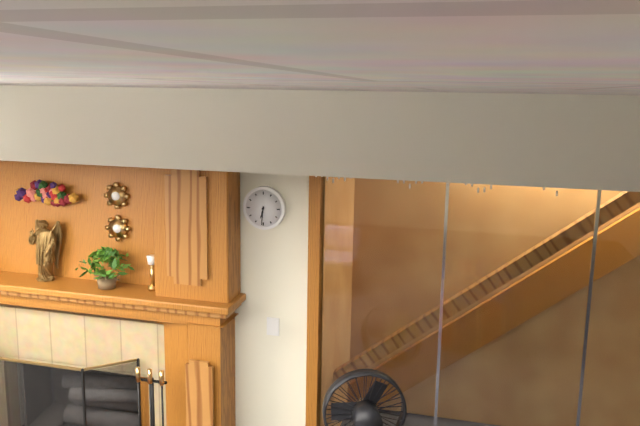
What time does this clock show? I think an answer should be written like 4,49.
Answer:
6,31
